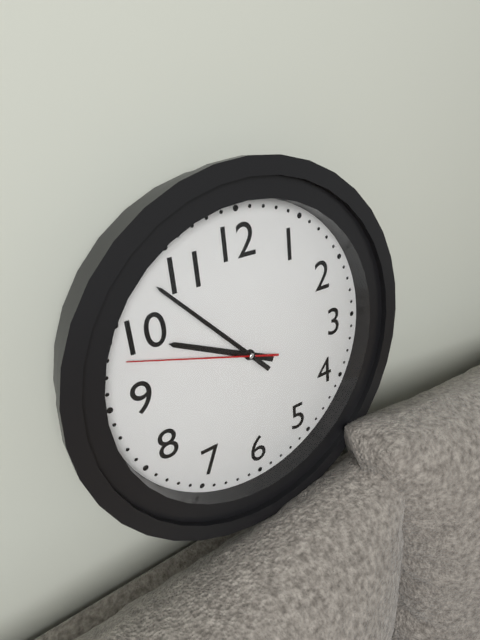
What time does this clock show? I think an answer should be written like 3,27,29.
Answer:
9,53,48
